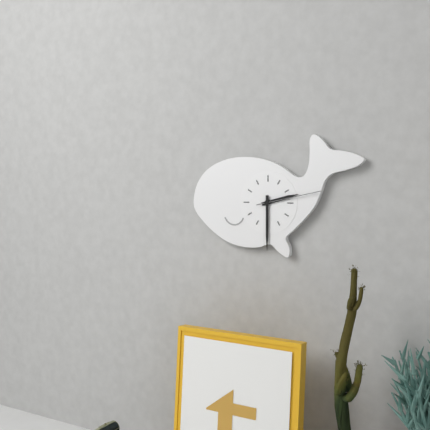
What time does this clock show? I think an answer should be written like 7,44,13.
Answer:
2,30,13
